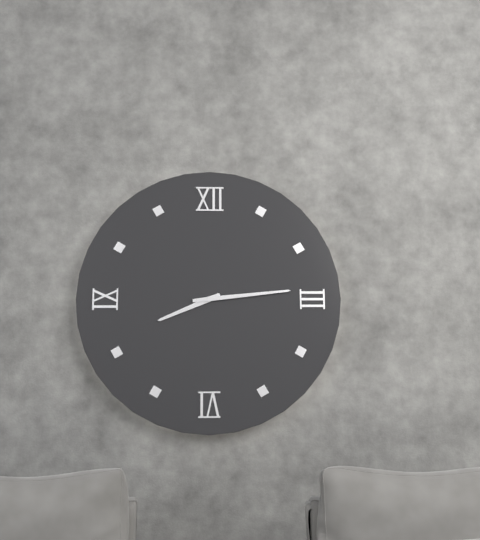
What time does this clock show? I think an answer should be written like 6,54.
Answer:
8,14
